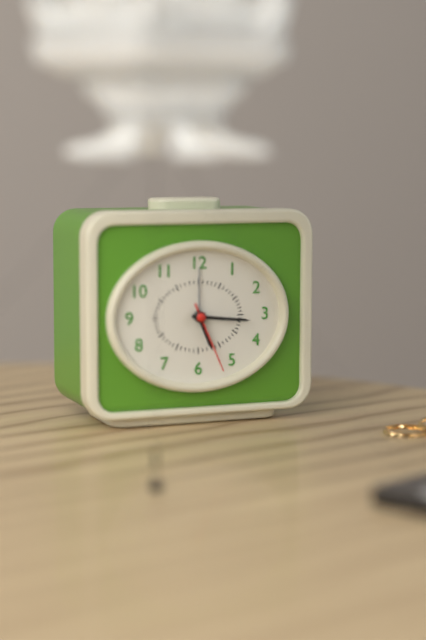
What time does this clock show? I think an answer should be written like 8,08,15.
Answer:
5,16,26
